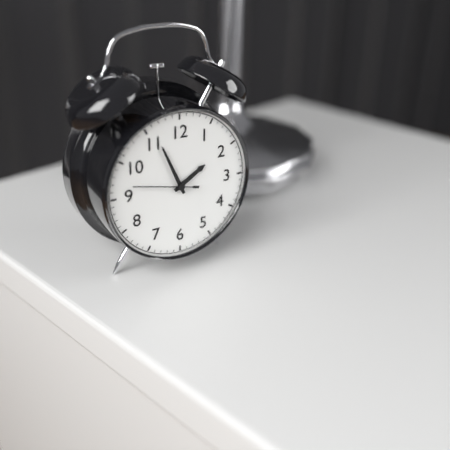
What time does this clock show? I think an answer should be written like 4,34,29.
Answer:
1,56,47
